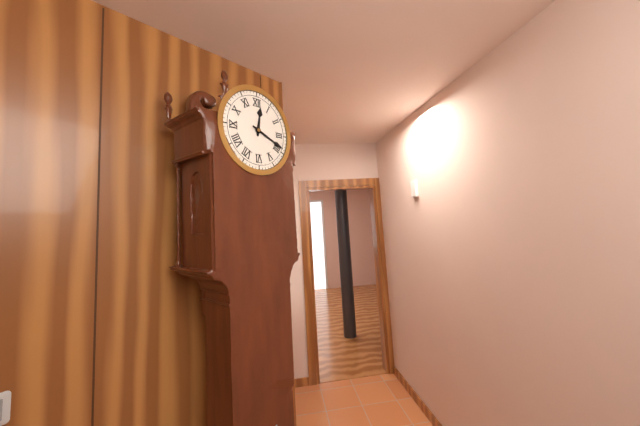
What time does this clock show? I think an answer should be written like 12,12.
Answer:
12,19
